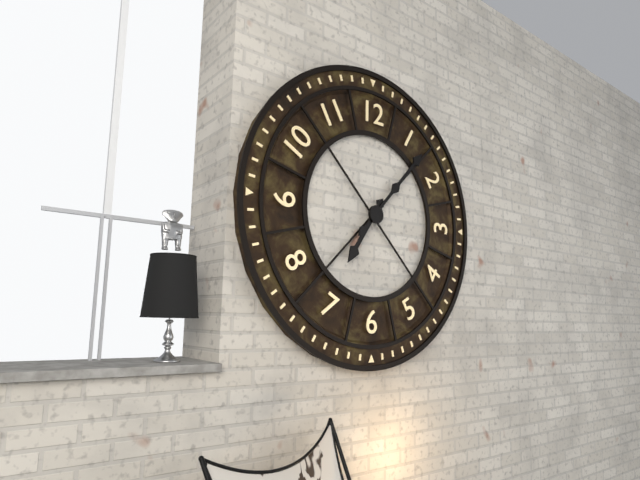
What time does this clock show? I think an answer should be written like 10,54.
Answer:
7,07
